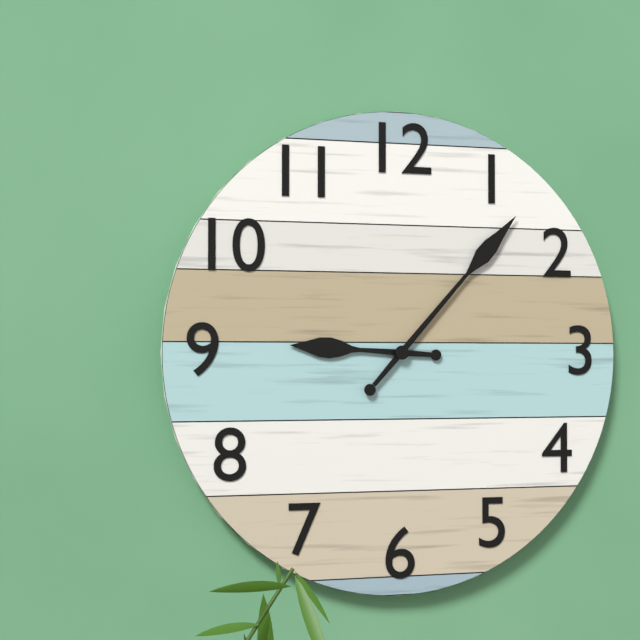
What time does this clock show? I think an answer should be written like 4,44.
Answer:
9,07
